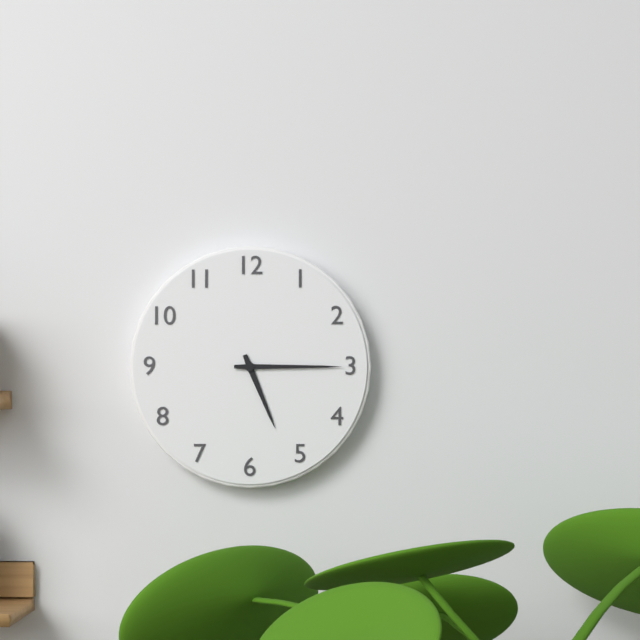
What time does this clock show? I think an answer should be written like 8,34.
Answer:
5,15
